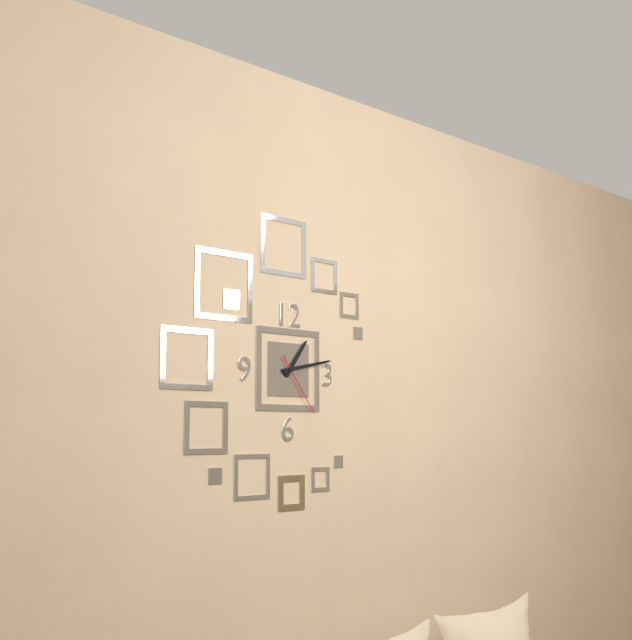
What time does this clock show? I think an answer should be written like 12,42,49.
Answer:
1,13,24
